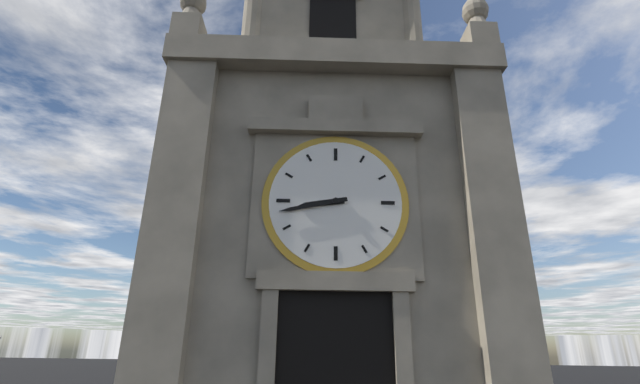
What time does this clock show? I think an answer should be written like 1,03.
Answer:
8,43
